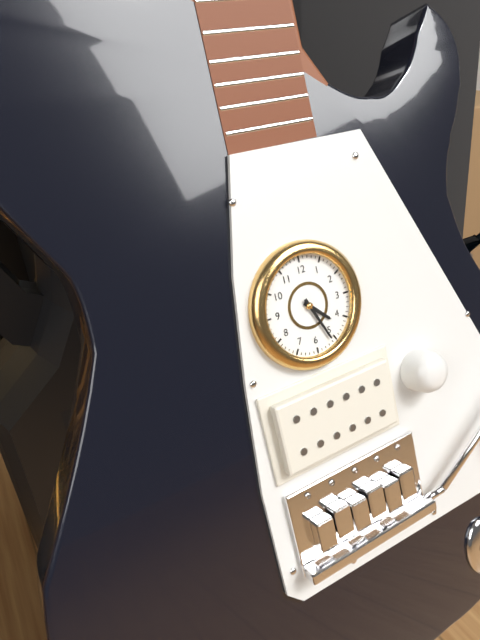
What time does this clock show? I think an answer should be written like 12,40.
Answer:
4,26
